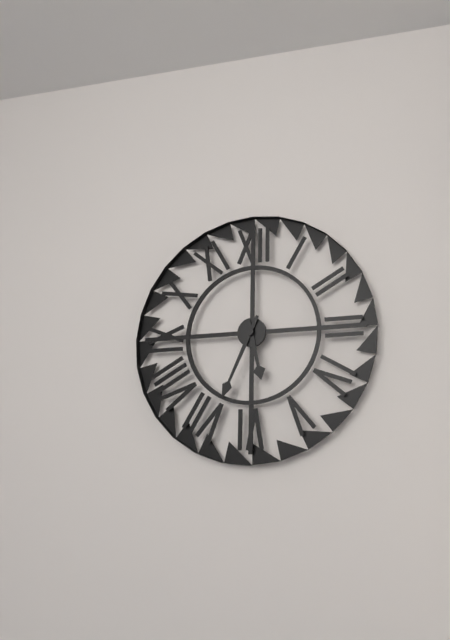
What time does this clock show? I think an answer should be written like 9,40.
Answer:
5,34
